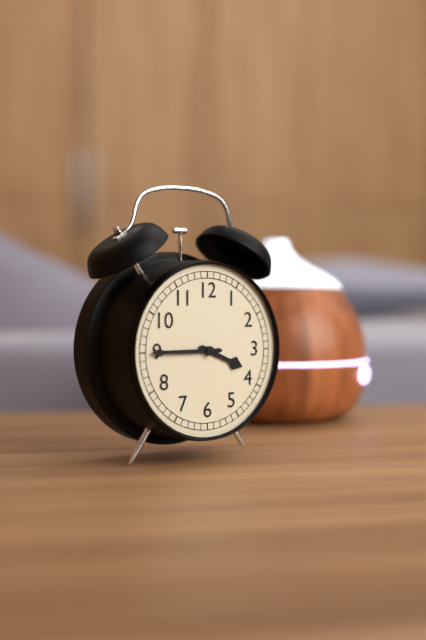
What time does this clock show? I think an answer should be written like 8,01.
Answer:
3,45
